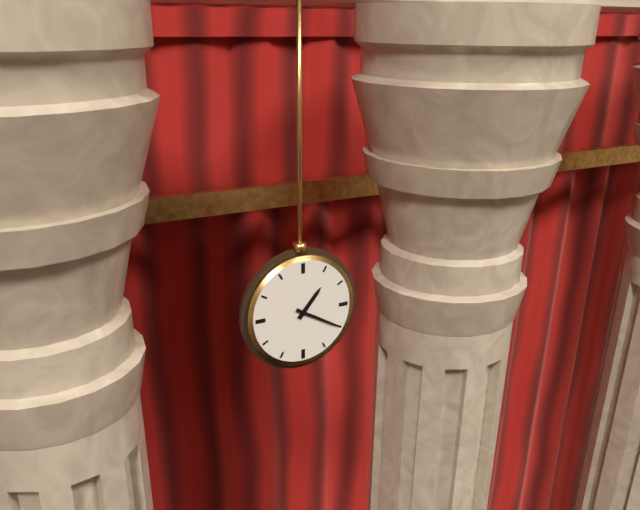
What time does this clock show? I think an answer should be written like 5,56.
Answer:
1,20
